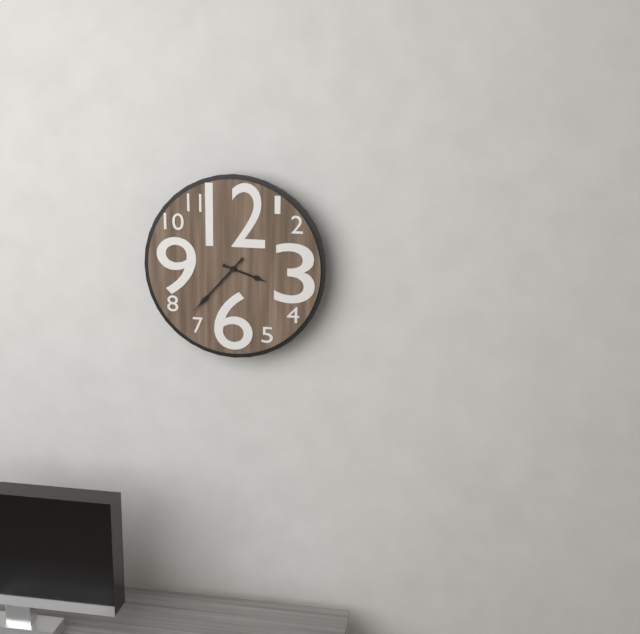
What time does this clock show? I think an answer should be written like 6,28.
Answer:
3,37
